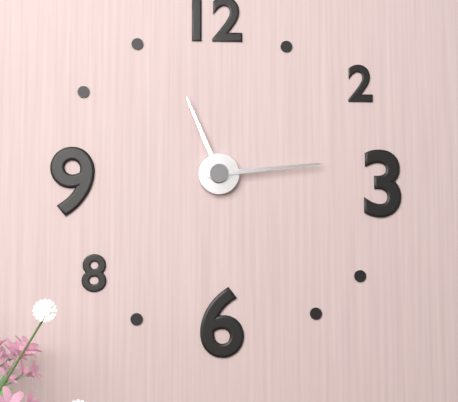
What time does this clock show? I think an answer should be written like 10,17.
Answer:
11,14
